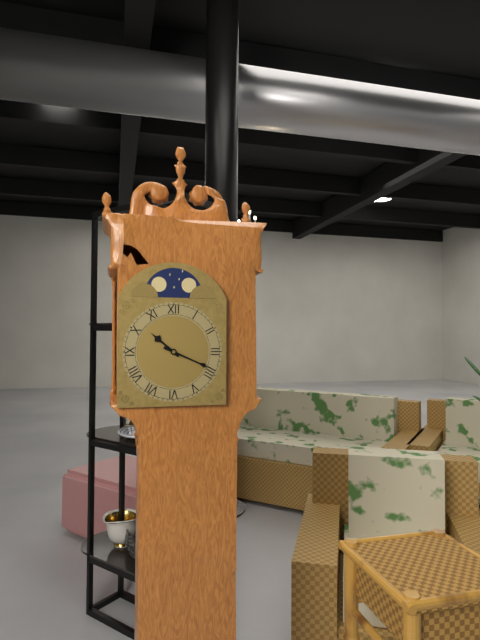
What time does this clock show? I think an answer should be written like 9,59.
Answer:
10,19
